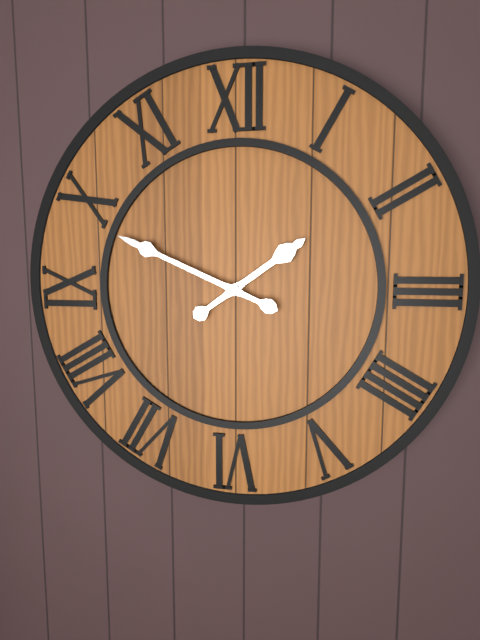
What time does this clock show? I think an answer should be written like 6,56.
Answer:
1,49
